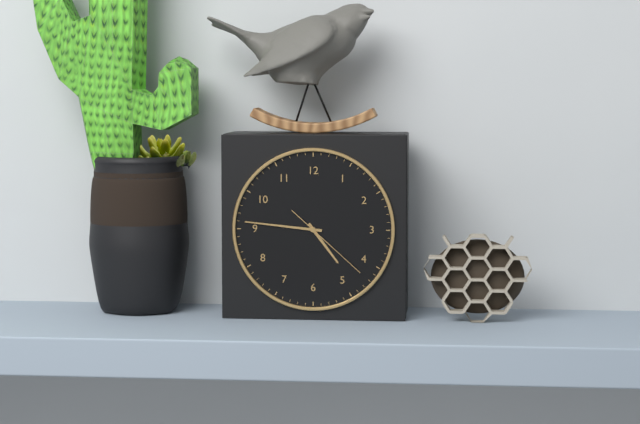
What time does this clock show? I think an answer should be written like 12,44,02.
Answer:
4,46,22
